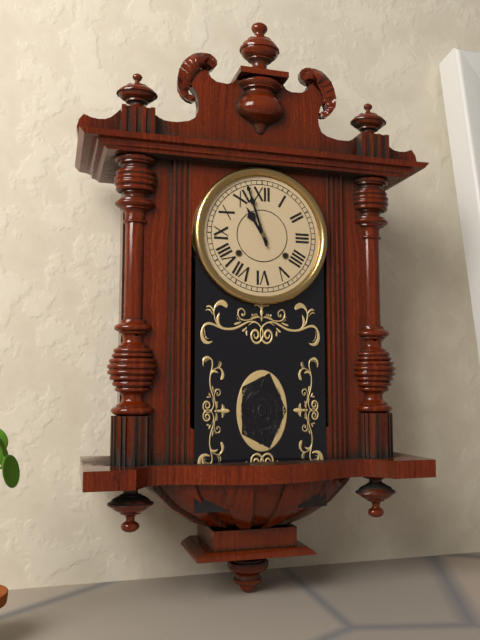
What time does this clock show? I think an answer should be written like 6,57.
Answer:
10,57
